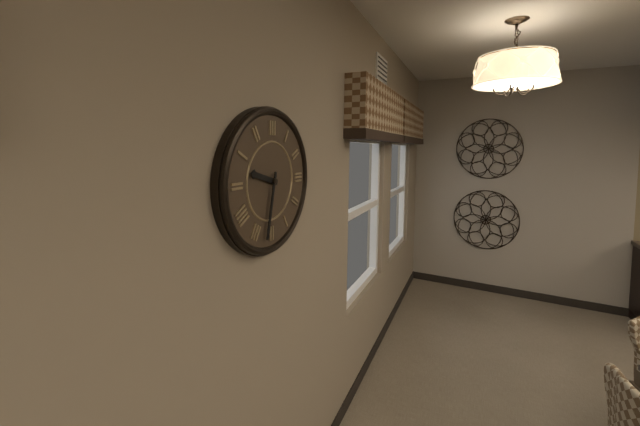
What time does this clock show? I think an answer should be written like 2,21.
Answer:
9,32
